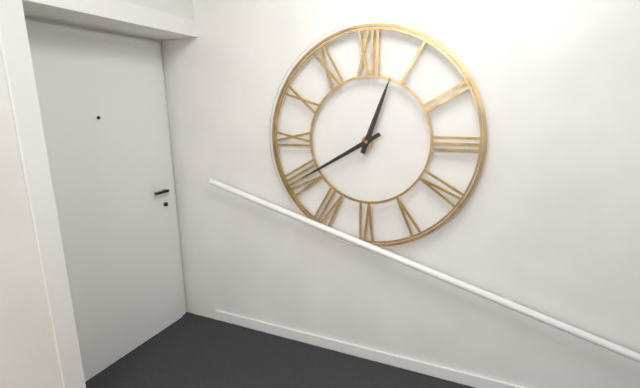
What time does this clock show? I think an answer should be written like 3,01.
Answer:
12,40
